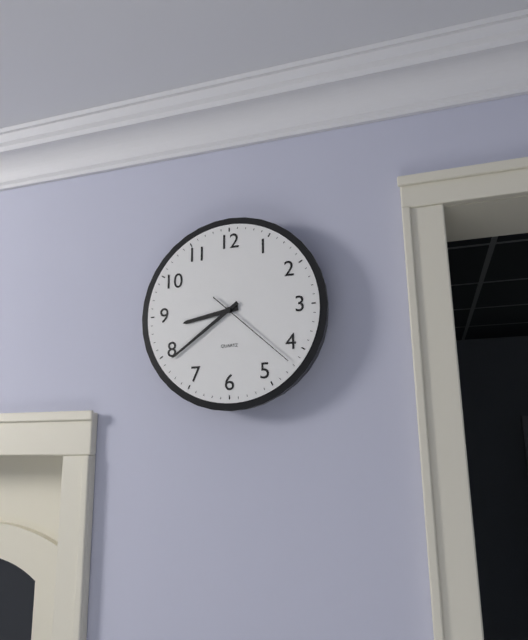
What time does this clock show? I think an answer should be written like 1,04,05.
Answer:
8,39,22
